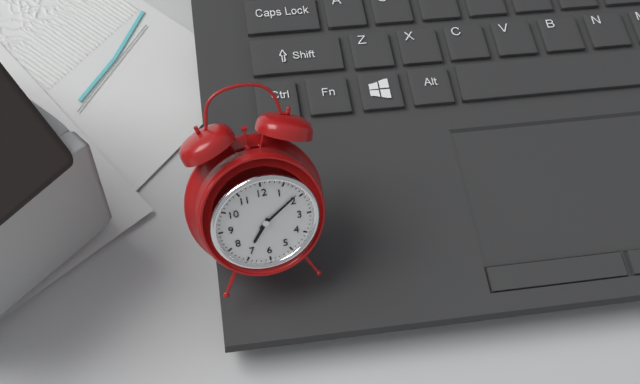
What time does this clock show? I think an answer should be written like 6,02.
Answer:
7,09
